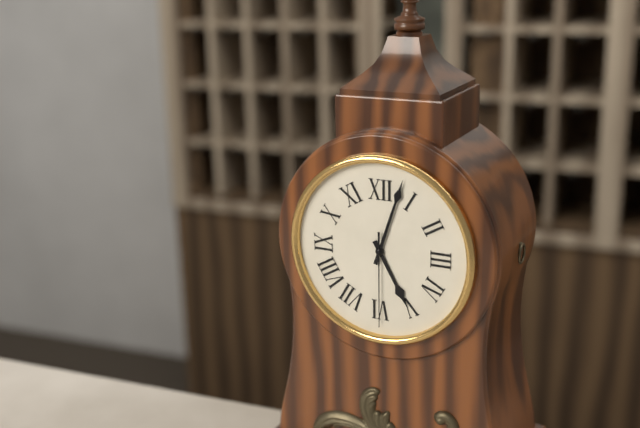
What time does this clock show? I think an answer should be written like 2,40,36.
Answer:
5,03,30
